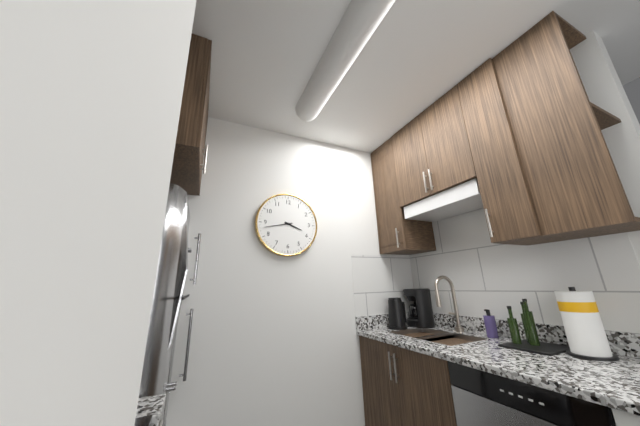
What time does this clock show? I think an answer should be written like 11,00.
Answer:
3,43
